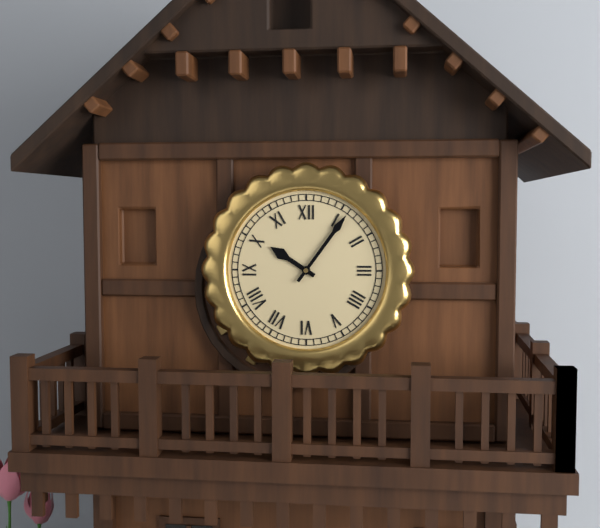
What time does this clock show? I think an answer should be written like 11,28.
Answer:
10,06
